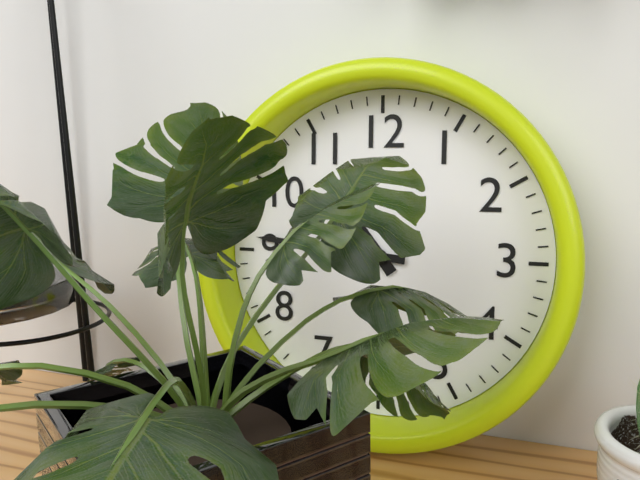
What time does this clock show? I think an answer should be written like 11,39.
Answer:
10,46
